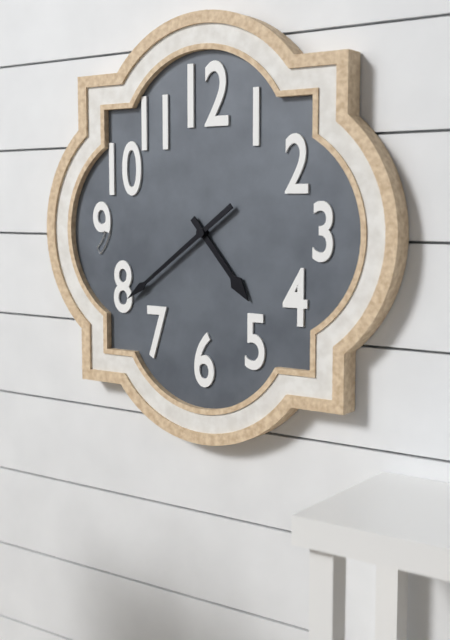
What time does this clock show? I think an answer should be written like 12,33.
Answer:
4,39
